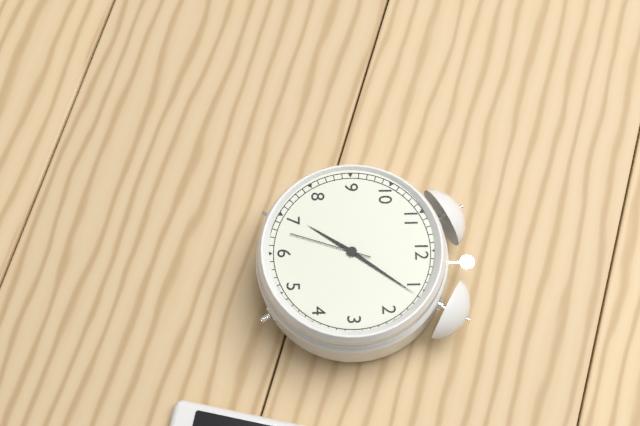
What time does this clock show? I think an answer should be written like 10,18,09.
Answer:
7,06,33
